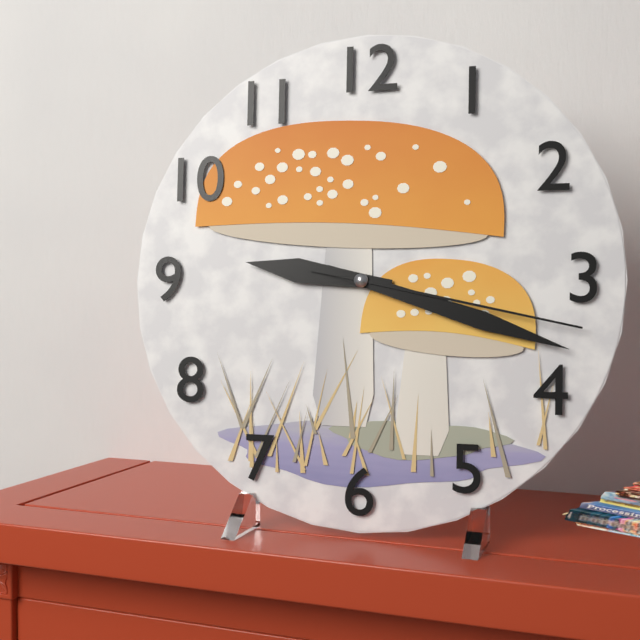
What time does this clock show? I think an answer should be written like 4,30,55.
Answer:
9,18,17
